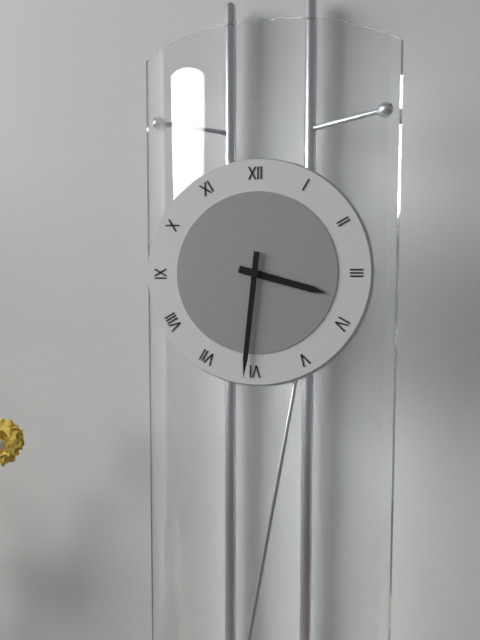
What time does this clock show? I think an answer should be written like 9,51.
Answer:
3,31
